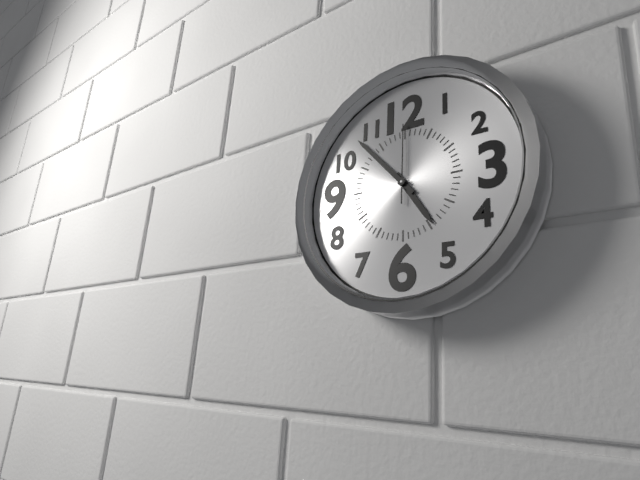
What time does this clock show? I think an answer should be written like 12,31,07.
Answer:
4,53,00
